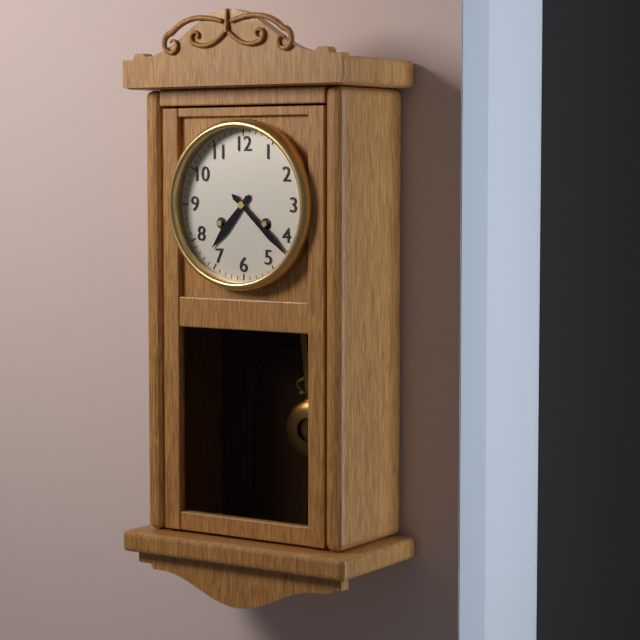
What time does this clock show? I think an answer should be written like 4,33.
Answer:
7,22
